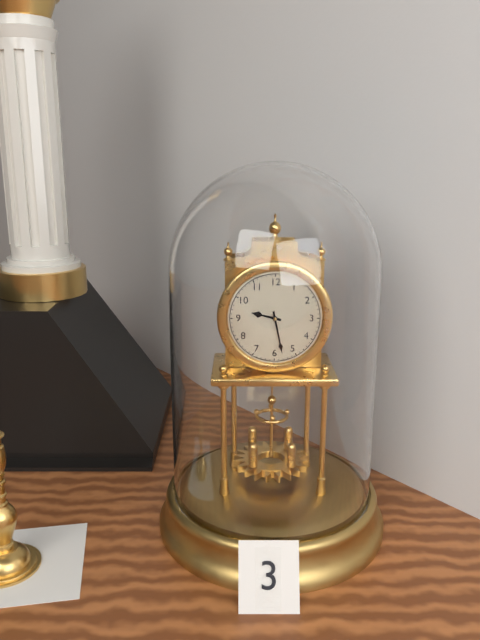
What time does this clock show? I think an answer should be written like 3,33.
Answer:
9,28
